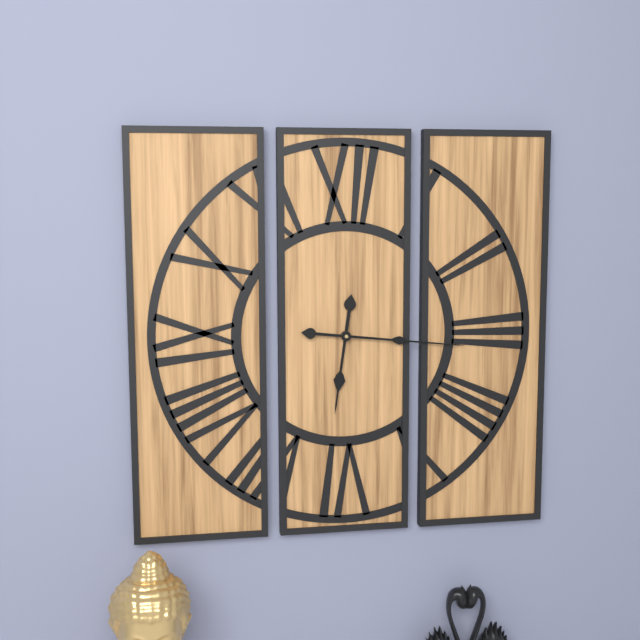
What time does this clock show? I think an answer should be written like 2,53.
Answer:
6,16
